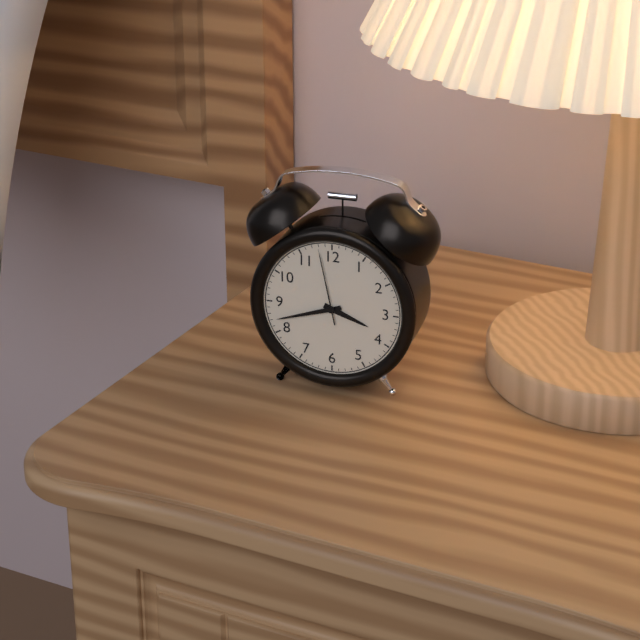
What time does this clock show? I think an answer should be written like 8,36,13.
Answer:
3,42,58
